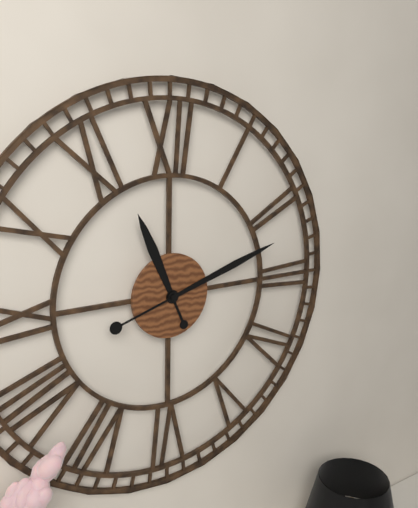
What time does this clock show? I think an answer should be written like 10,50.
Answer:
11,12
